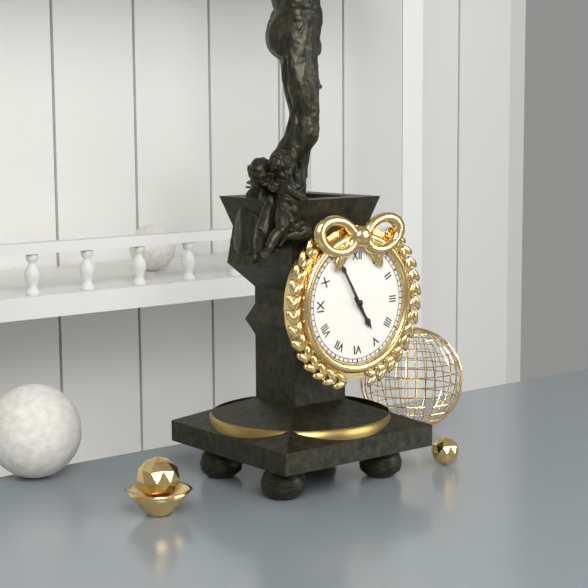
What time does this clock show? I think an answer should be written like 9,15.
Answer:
4,55
